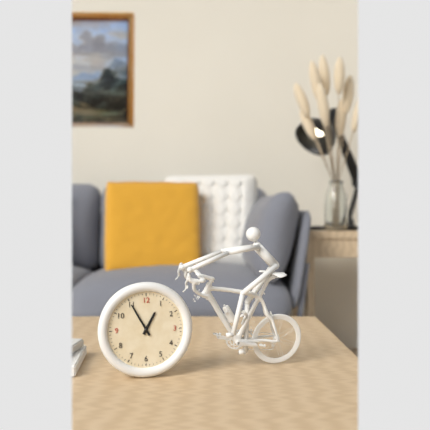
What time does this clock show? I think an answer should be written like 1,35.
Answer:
12,55
